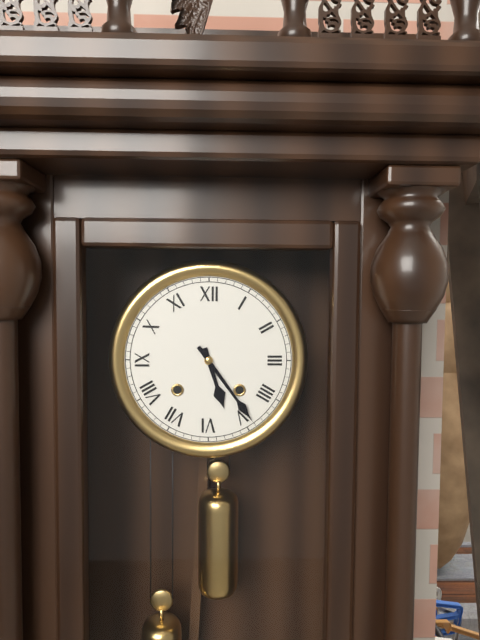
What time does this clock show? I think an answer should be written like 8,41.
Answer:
5,24
